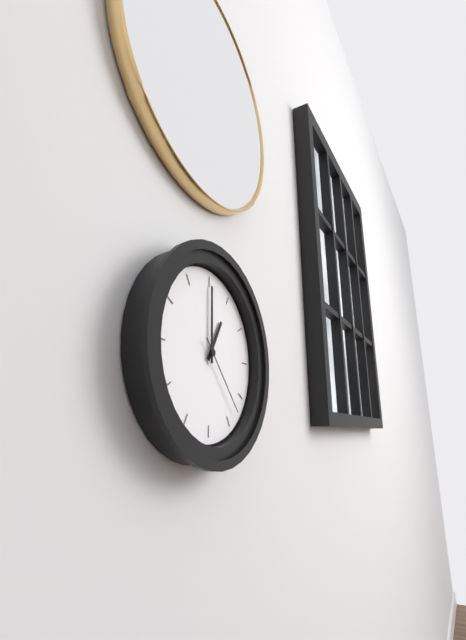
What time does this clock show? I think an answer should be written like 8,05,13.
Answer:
1,00,23
